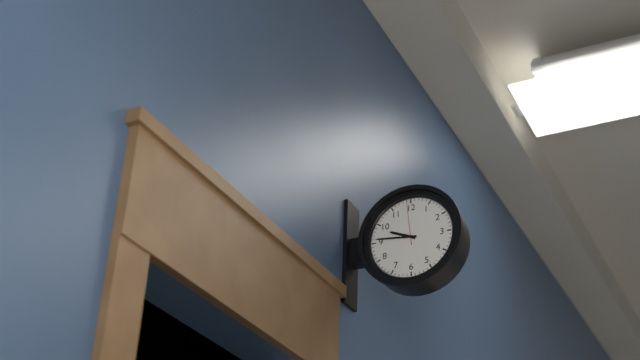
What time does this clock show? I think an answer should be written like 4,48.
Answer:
9,46
